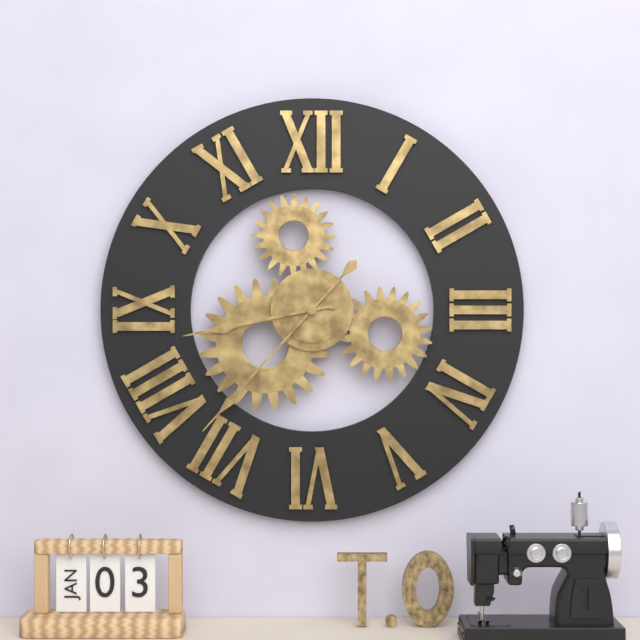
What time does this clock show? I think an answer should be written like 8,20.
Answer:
8,37
